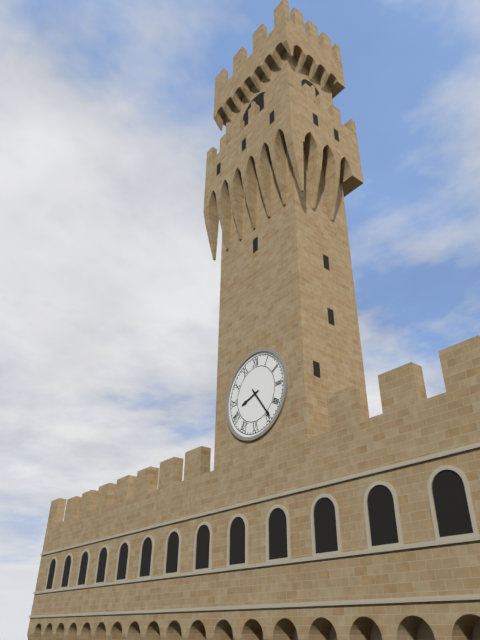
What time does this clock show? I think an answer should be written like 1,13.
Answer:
8,24
